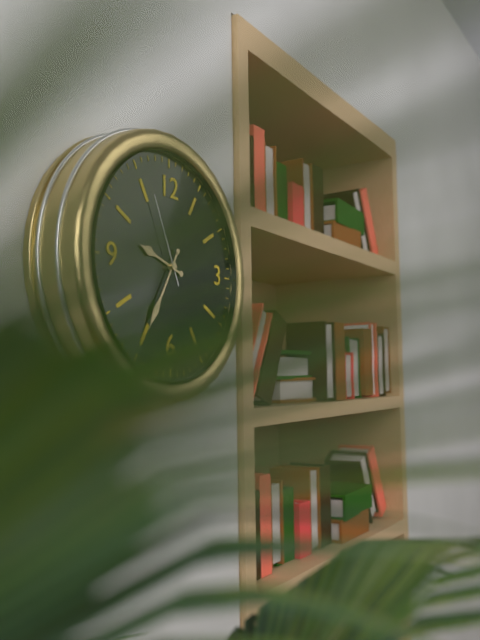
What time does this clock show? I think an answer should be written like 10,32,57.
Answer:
9,35,56
